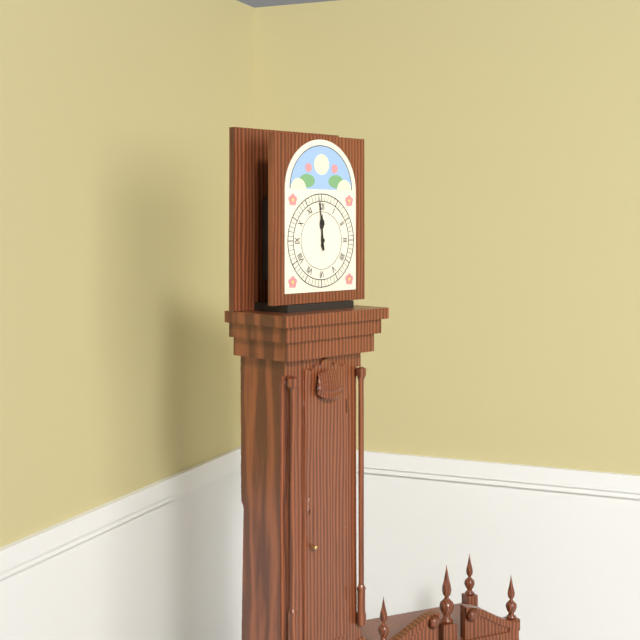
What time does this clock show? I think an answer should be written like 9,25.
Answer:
11,59
